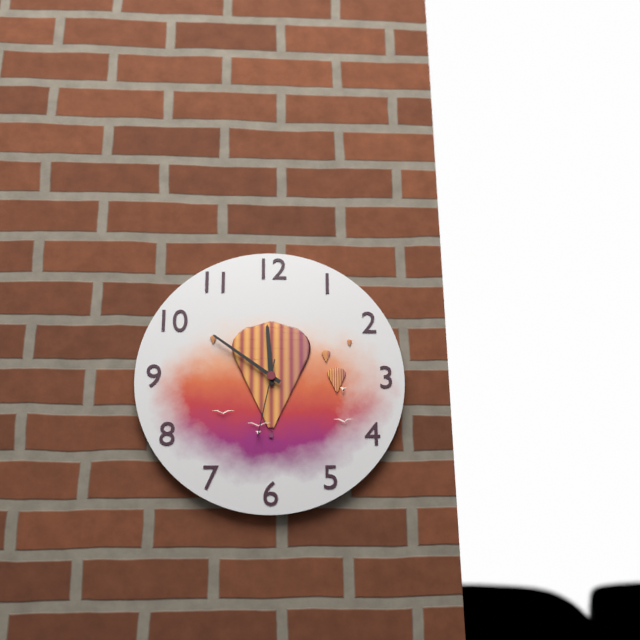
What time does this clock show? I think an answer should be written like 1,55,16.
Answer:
11,51,32
